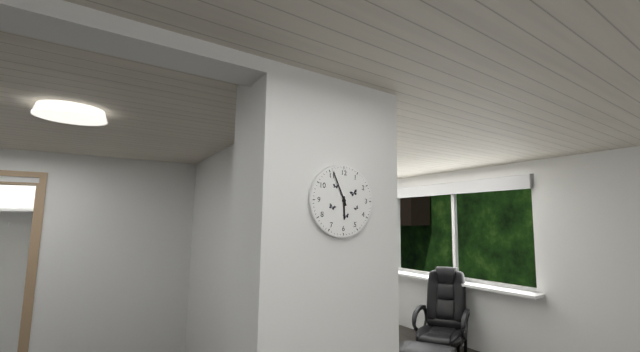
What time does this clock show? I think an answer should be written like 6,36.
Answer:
5,56
